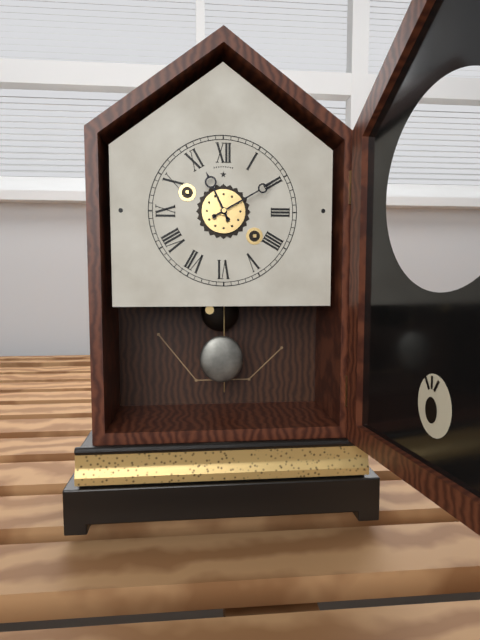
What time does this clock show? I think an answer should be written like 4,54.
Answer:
11,10
